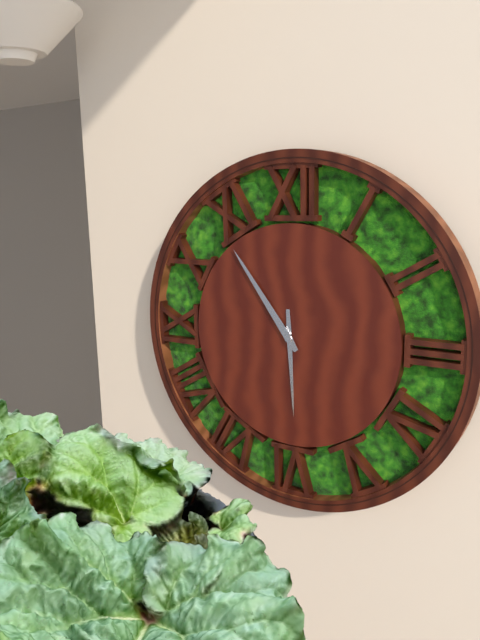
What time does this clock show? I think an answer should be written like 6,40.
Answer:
5,54
